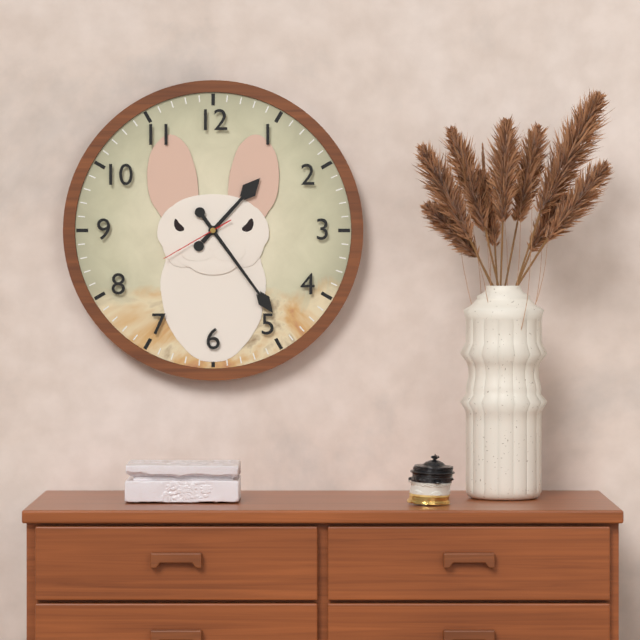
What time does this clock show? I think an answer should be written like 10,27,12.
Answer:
1,24,40
